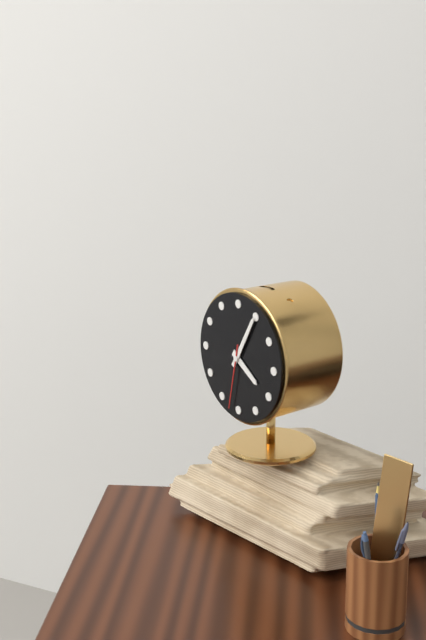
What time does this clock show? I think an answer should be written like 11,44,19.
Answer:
4,05,32
